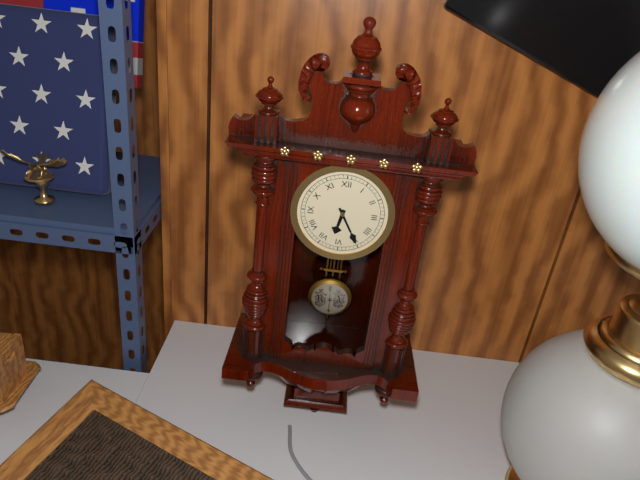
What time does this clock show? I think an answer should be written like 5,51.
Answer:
6,25
